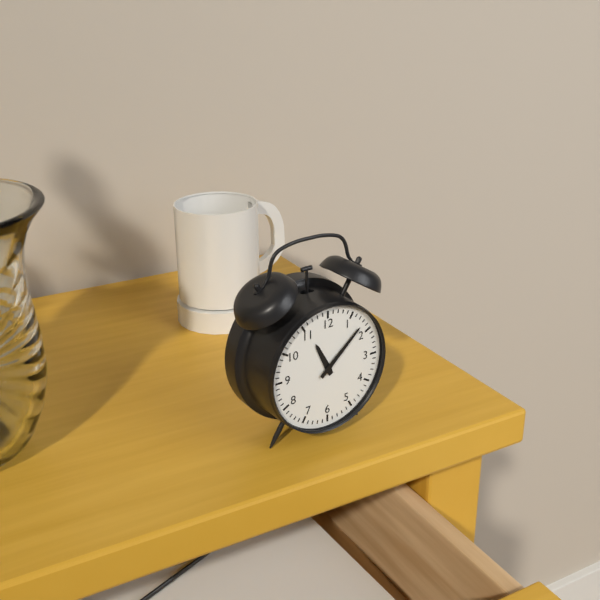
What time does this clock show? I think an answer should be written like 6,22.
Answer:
11,08
